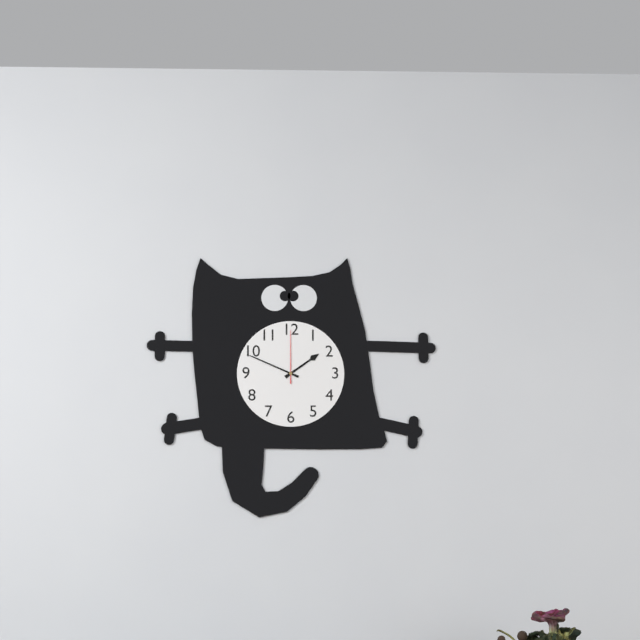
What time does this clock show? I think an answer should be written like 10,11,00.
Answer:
1,49,00
